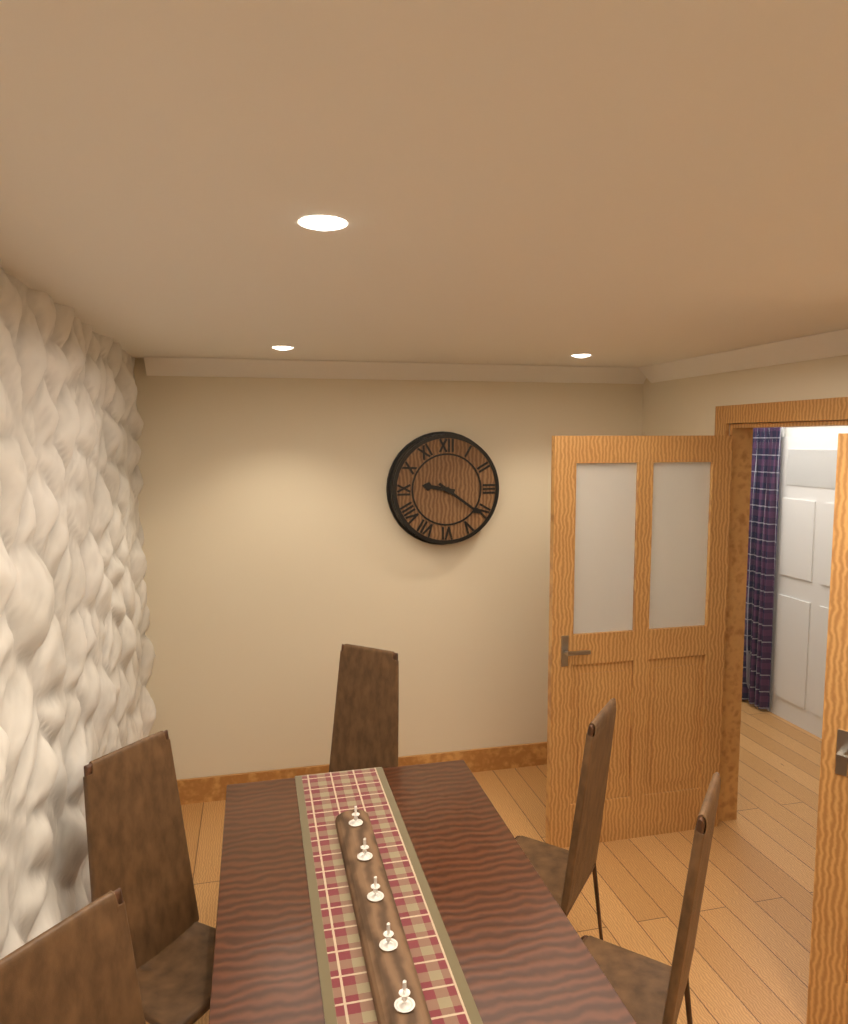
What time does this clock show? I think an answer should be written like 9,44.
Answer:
9,21
